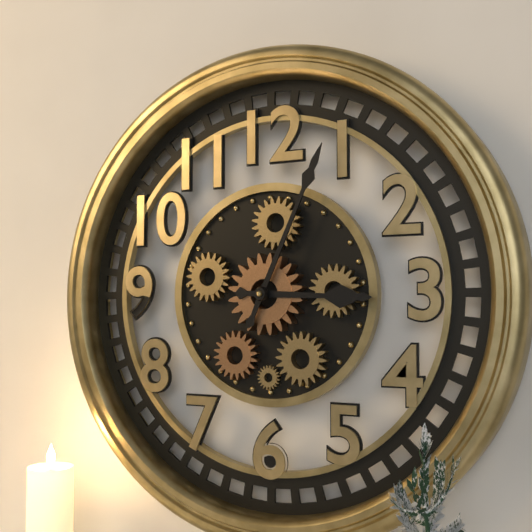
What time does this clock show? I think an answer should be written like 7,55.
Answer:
3,04
